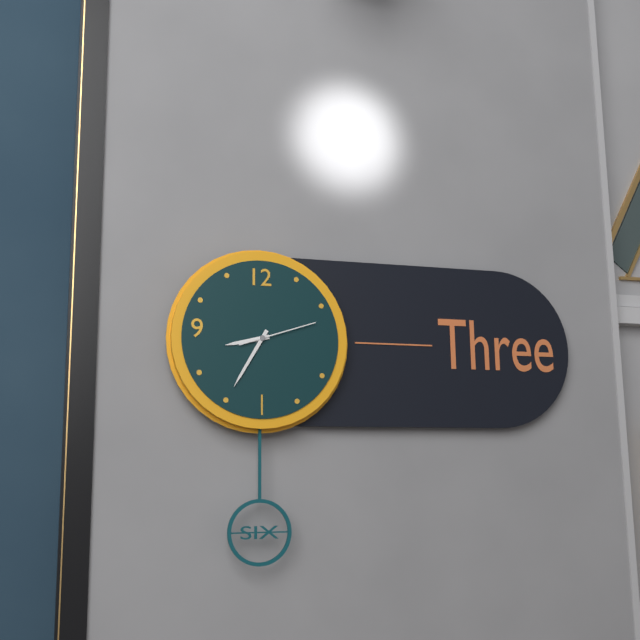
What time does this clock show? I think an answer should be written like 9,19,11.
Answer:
8,35,12
